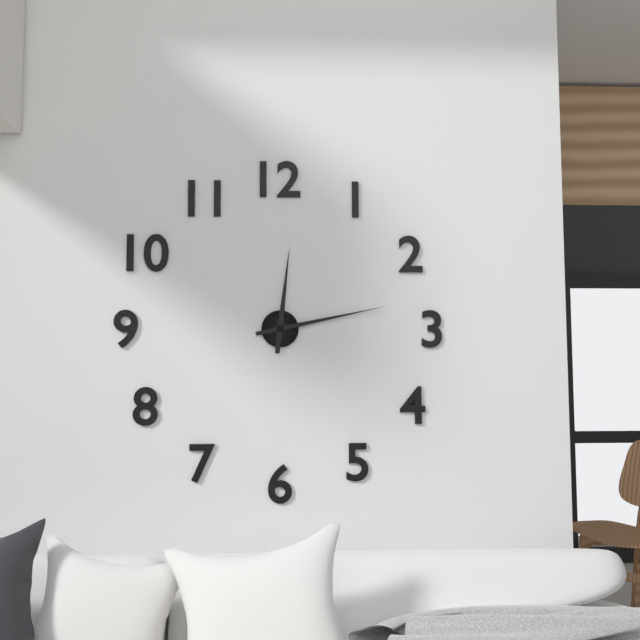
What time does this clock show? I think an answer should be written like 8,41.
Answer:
12,13
